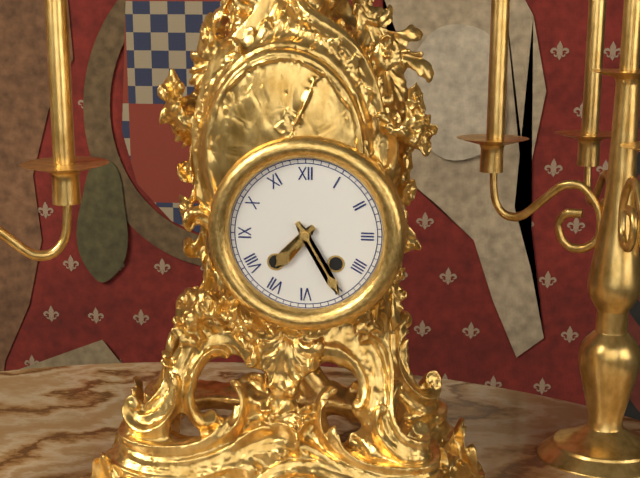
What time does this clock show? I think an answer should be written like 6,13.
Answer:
7,25
